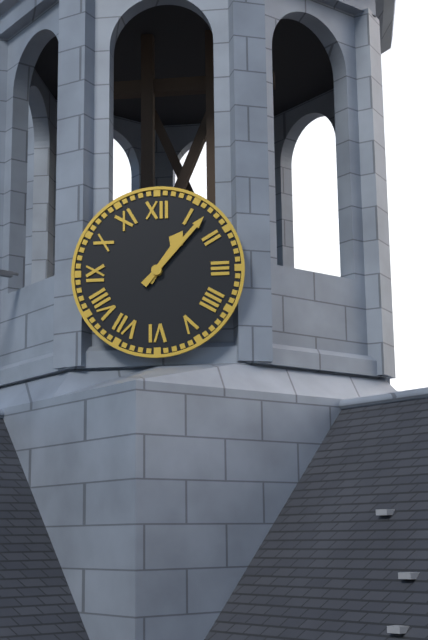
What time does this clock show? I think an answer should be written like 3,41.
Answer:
1,07
